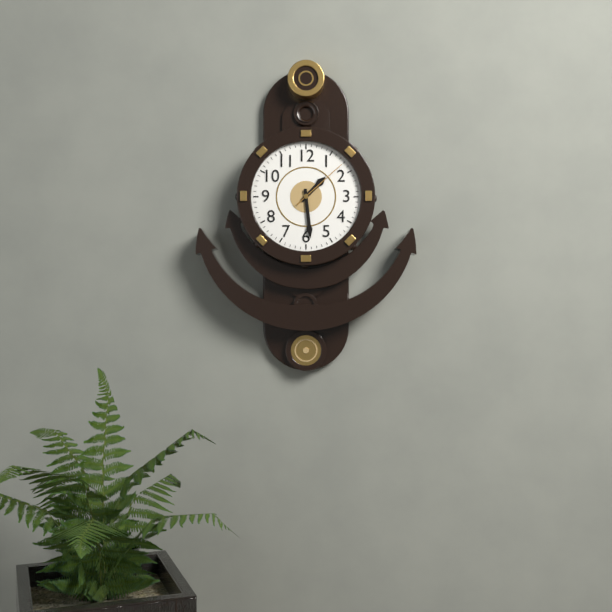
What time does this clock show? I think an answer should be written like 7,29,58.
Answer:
1,29,08
